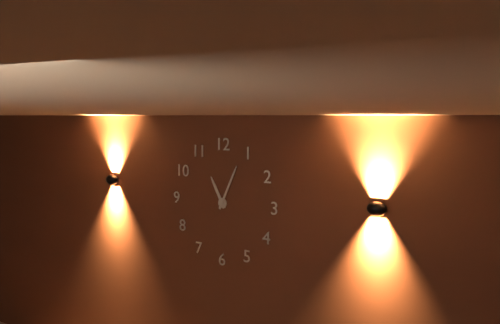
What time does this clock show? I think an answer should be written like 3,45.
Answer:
11,04
